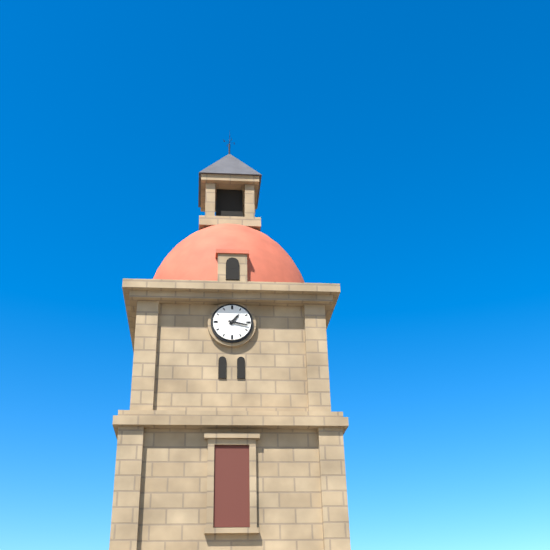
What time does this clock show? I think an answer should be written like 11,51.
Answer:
1,17
